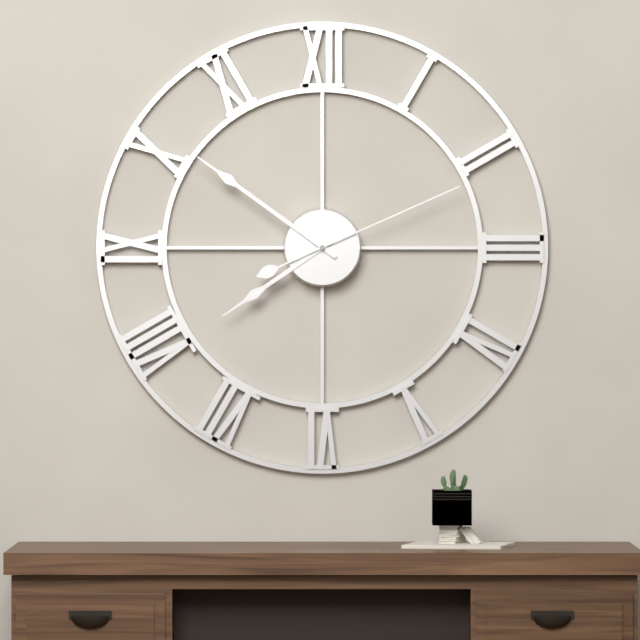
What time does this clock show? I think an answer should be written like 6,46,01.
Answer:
7,51,11
